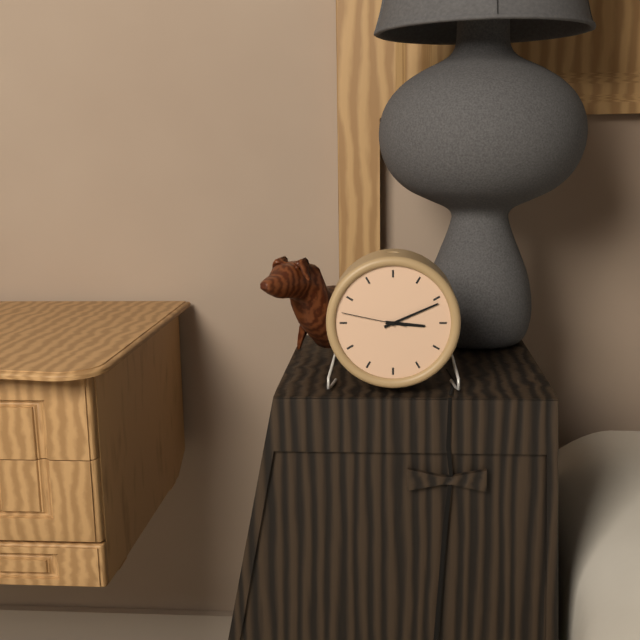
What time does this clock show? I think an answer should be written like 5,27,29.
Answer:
3,11,47
